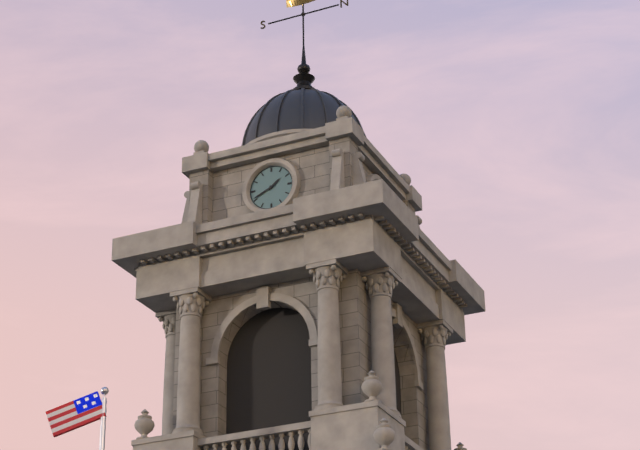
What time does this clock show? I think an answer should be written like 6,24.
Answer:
1,41
